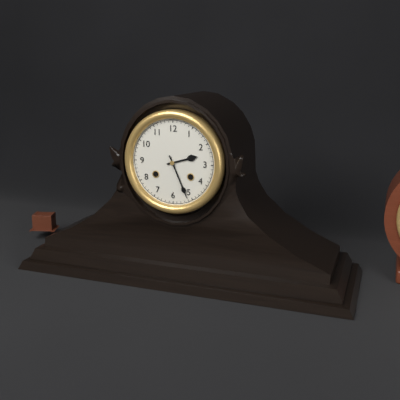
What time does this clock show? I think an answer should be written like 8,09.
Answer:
2,26
